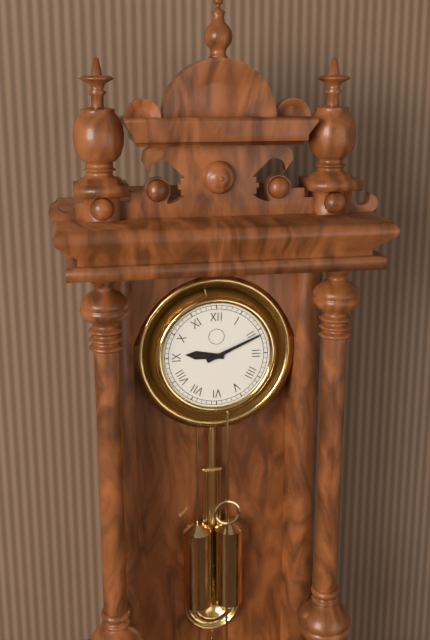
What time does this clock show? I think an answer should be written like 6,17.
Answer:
9,11
